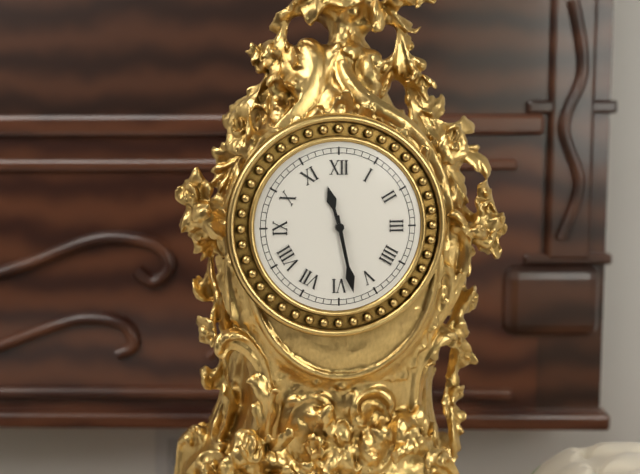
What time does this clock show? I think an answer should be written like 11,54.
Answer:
11,28
